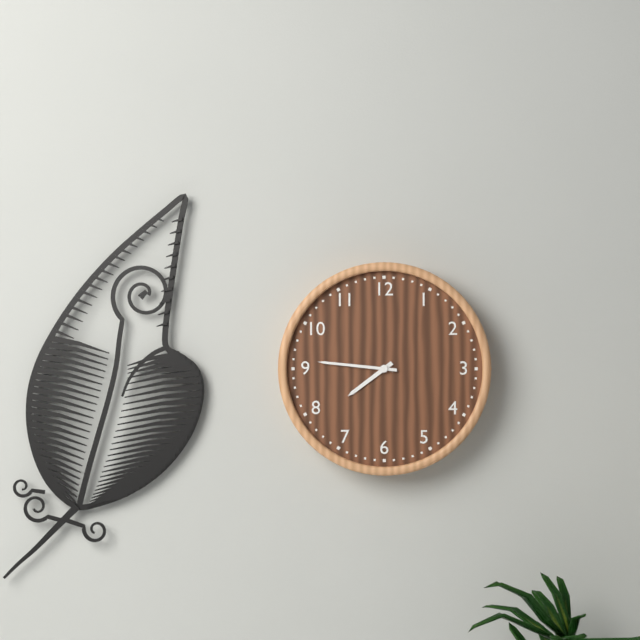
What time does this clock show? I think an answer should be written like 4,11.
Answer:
7,46
